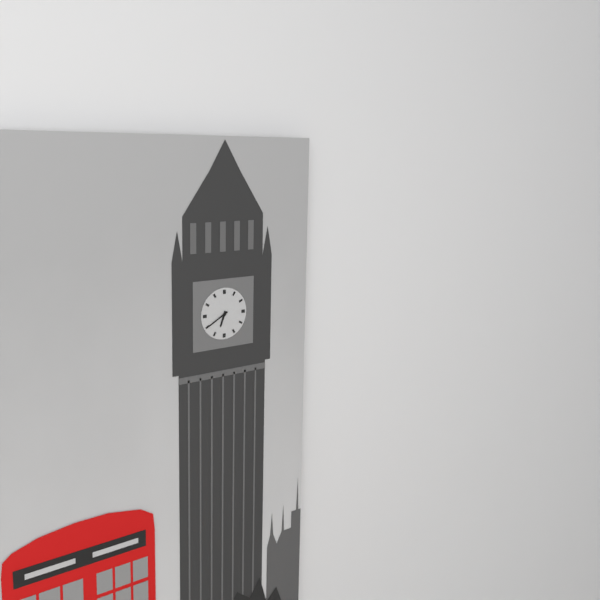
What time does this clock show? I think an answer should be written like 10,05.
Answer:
6,40
